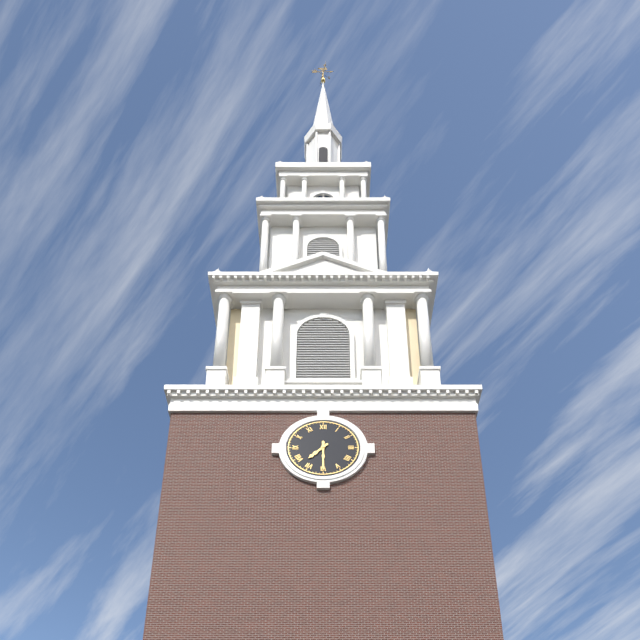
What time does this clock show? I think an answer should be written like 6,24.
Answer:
7,30
